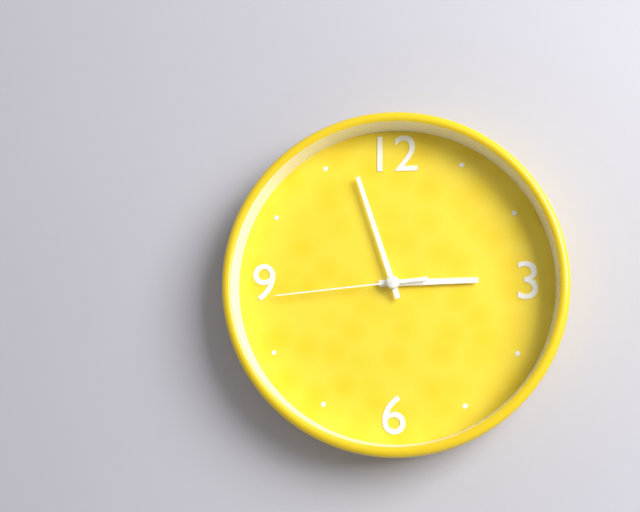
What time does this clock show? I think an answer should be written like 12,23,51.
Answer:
2,57,44
